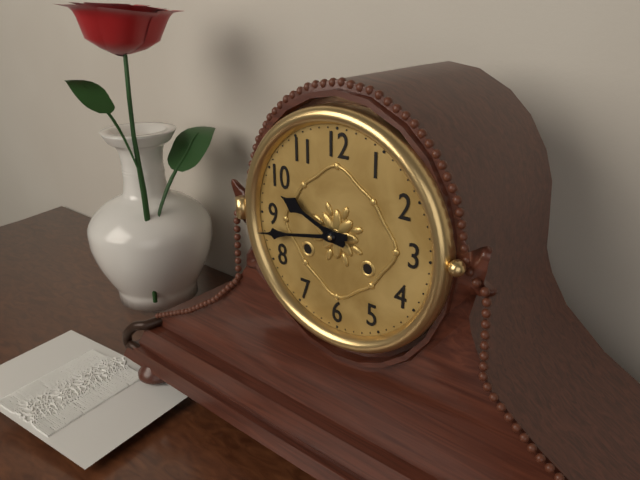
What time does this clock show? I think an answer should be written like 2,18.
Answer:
9,43
